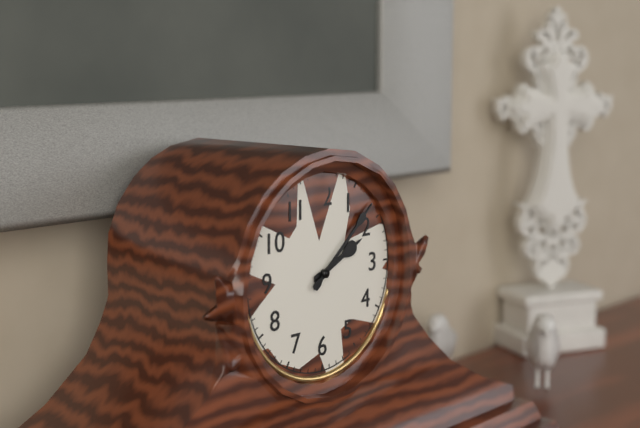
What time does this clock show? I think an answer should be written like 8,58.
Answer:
2,08
